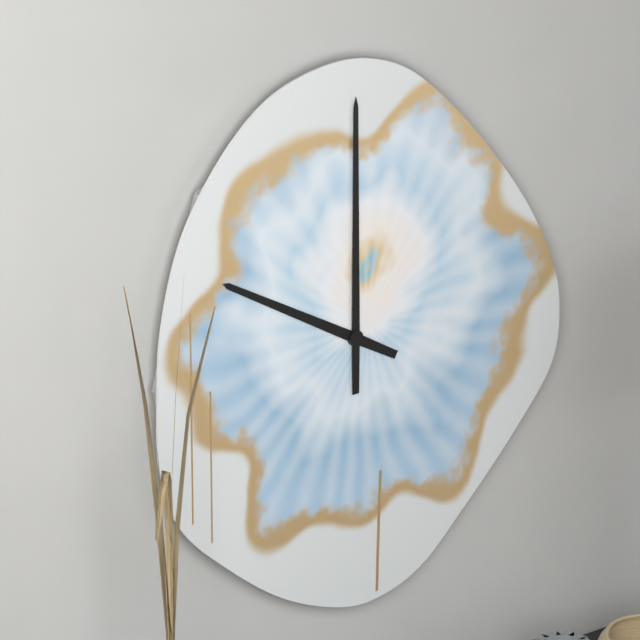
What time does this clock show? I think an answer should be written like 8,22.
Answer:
10,00
